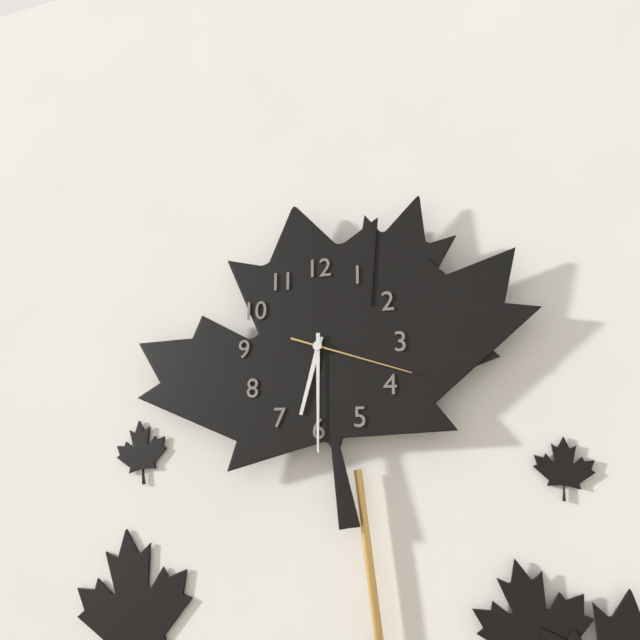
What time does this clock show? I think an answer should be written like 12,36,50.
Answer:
6,30,18
